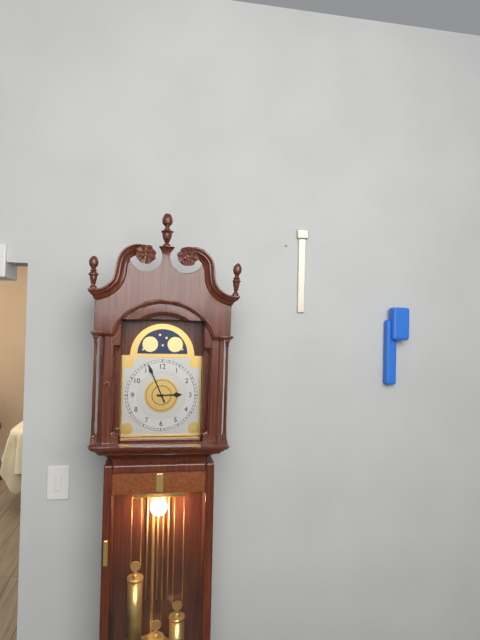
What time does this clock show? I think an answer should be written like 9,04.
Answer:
2,56
